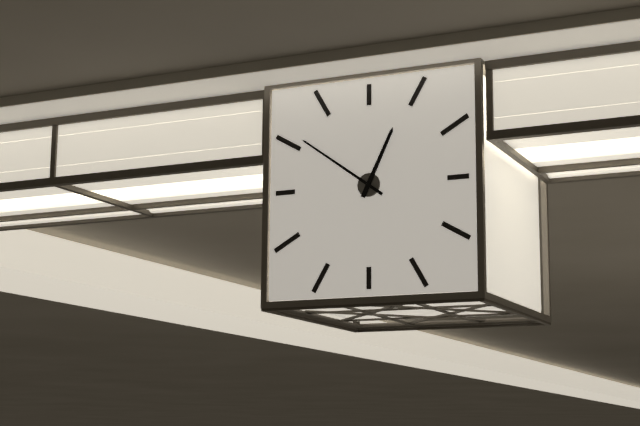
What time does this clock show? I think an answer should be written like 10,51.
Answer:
12,51
